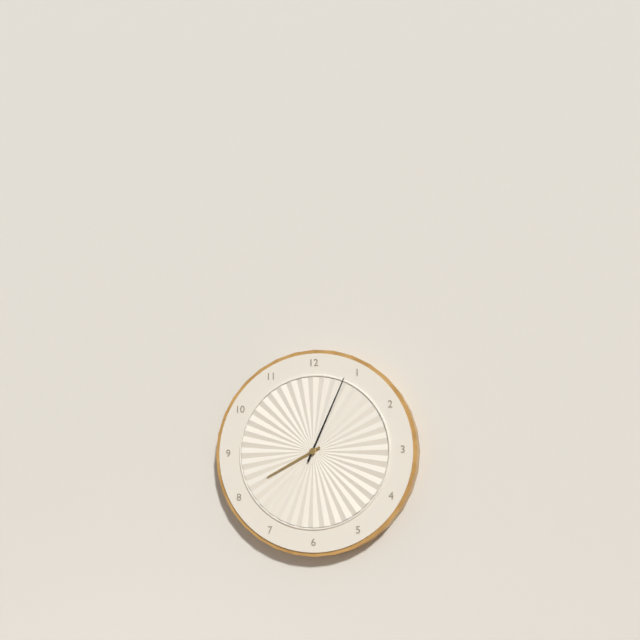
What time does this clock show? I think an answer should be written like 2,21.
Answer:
8,04
